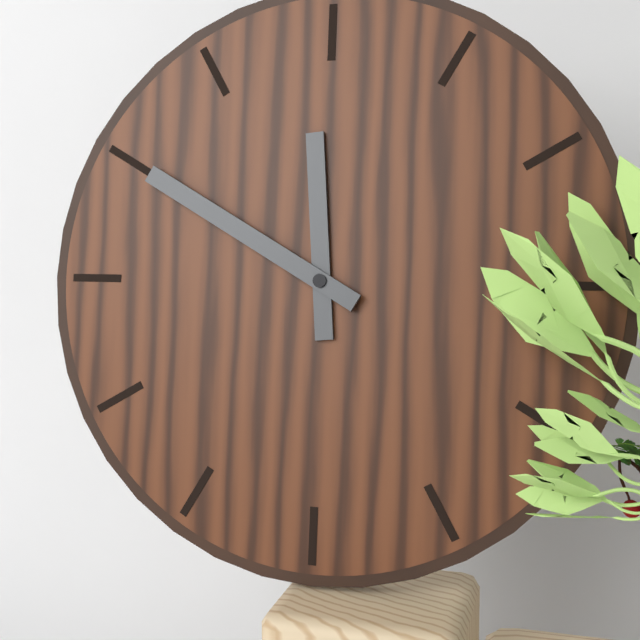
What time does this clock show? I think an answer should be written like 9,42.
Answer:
11,50
